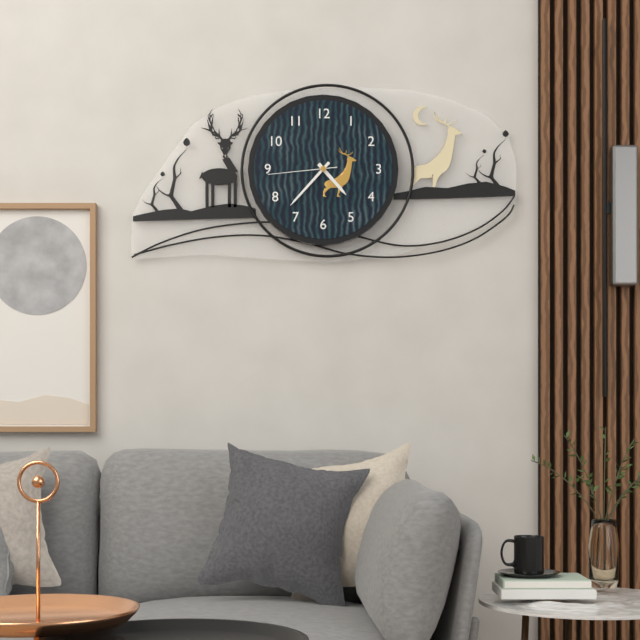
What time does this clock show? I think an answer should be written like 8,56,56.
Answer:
4,37,44
